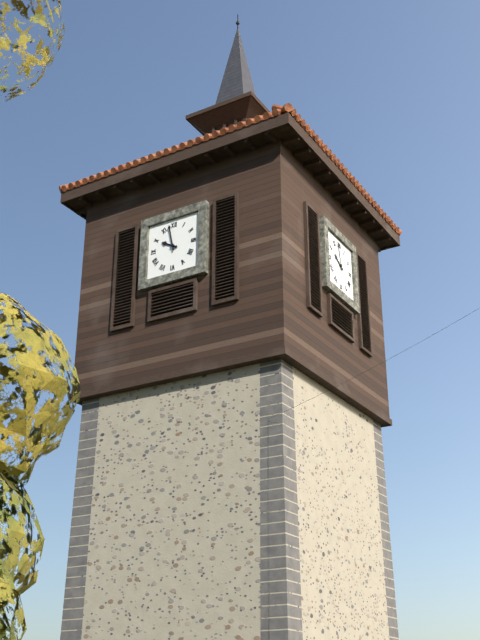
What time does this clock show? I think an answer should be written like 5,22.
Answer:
9,58
